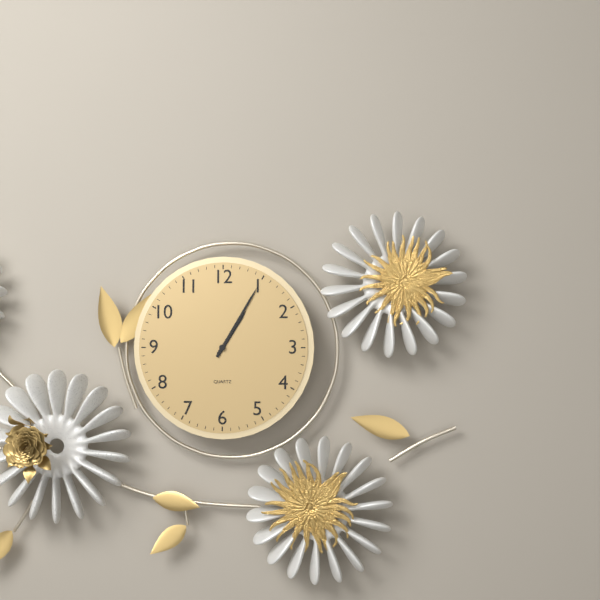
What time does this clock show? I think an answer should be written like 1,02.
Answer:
1,05
